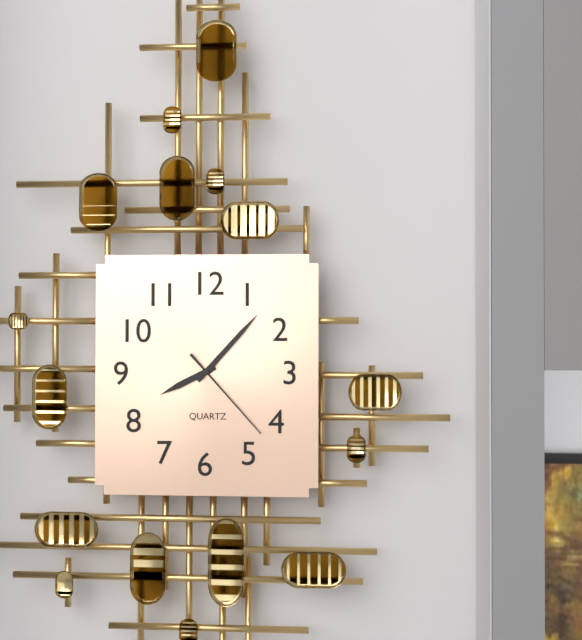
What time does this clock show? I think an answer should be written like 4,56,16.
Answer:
8,07,23
